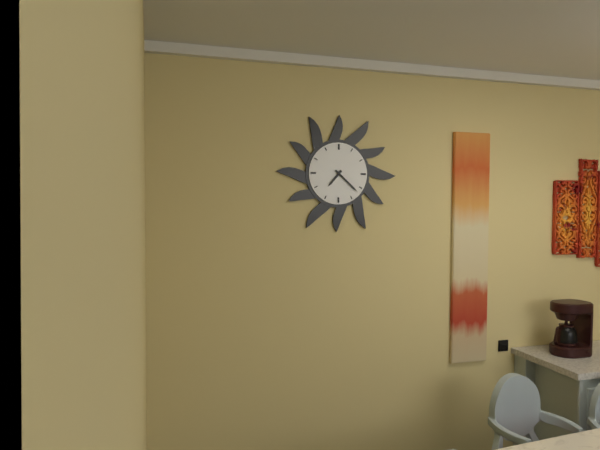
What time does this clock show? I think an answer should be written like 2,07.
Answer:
7,22
